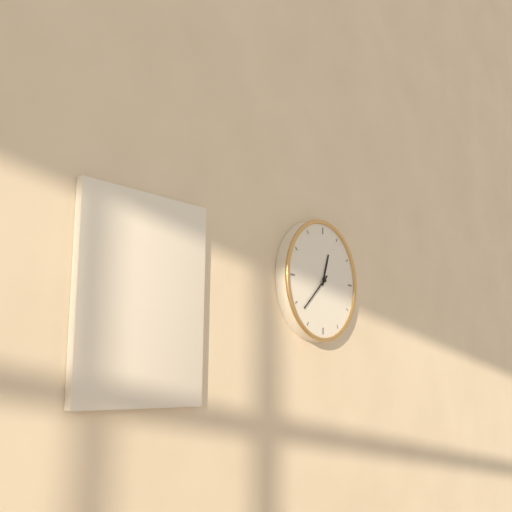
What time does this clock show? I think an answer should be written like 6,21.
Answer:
12,38
